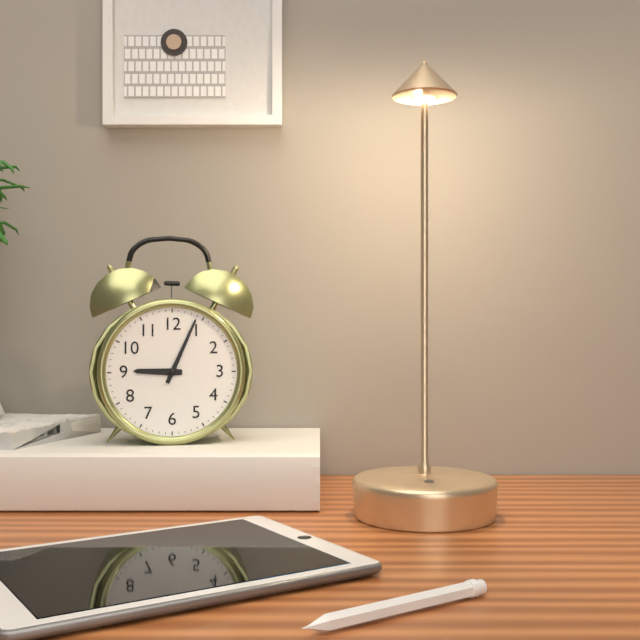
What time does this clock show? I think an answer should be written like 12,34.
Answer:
9,04
